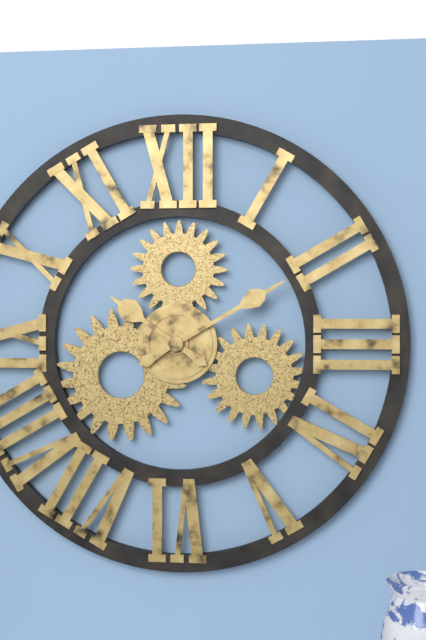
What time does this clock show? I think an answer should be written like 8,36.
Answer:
10,10
